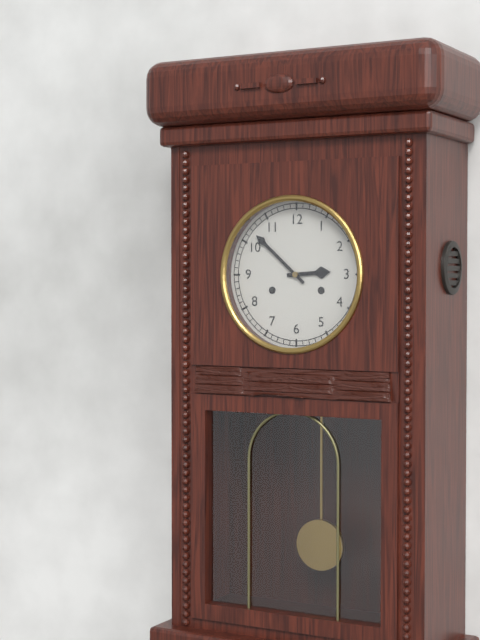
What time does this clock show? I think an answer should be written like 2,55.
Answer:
2,52
